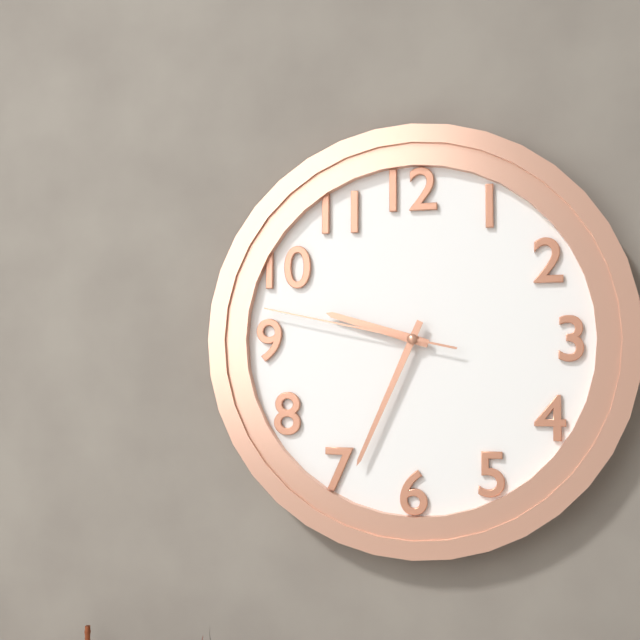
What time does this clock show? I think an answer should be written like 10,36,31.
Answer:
9,34,47
